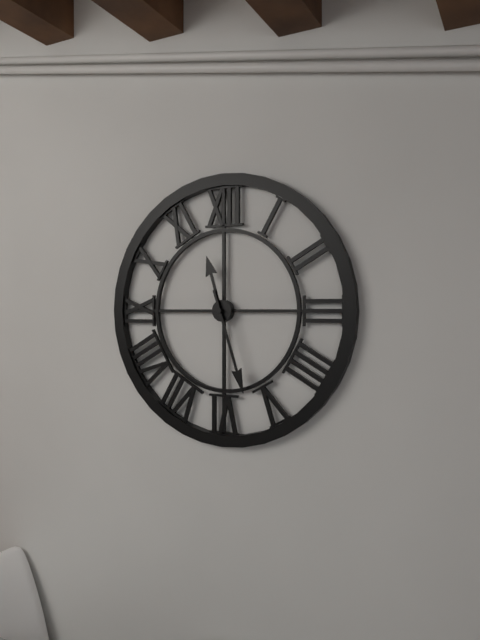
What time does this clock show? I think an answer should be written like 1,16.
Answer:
11,27
